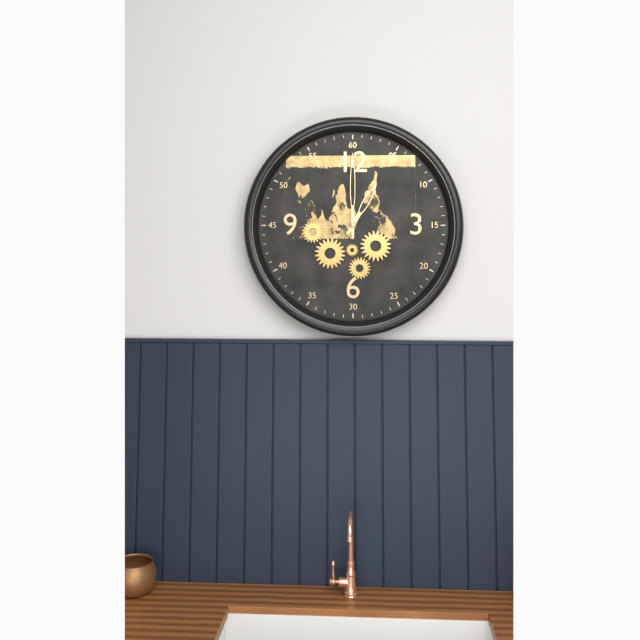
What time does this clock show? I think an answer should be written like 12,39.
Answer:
1,00
